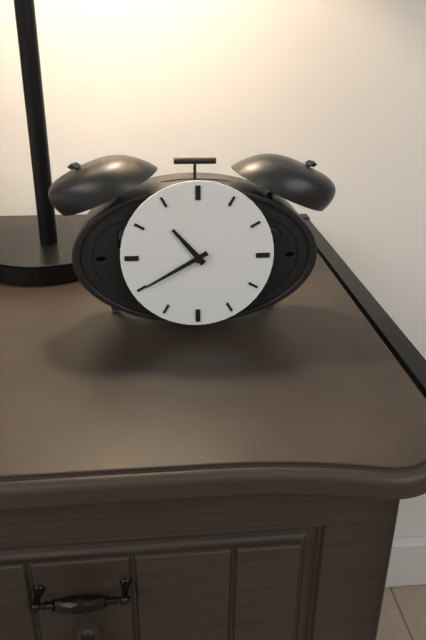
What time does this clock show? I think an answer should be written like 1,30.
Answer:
10,40
